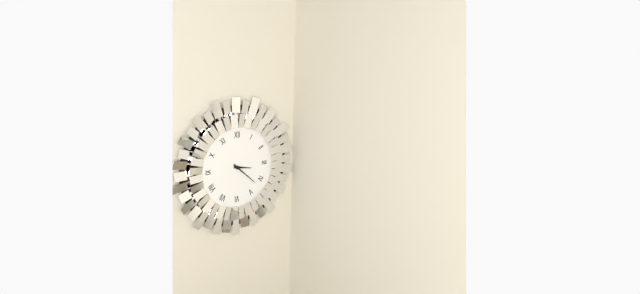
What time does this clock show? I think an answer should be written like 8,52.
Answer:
3,22
